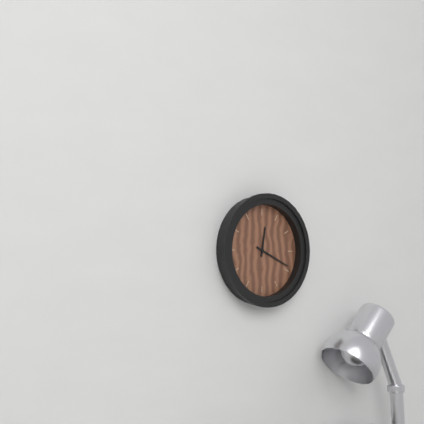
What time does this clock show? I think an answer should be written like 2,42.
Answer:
12,19
